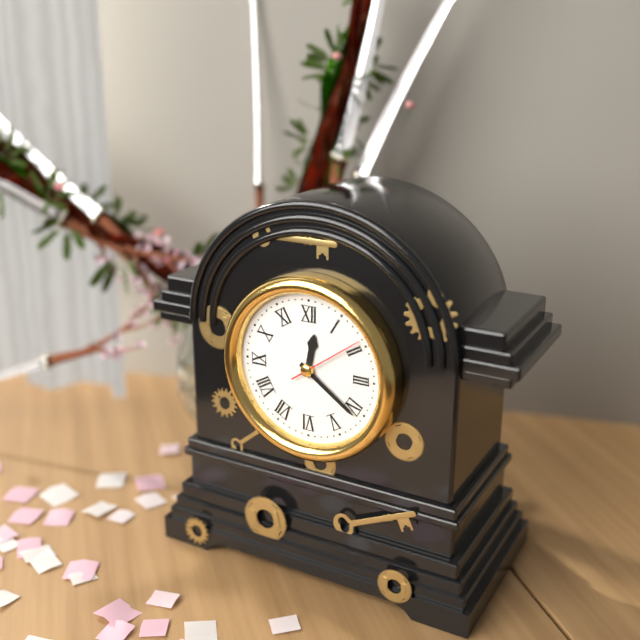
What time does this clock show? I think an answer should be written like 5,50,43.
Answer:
12,21,09
